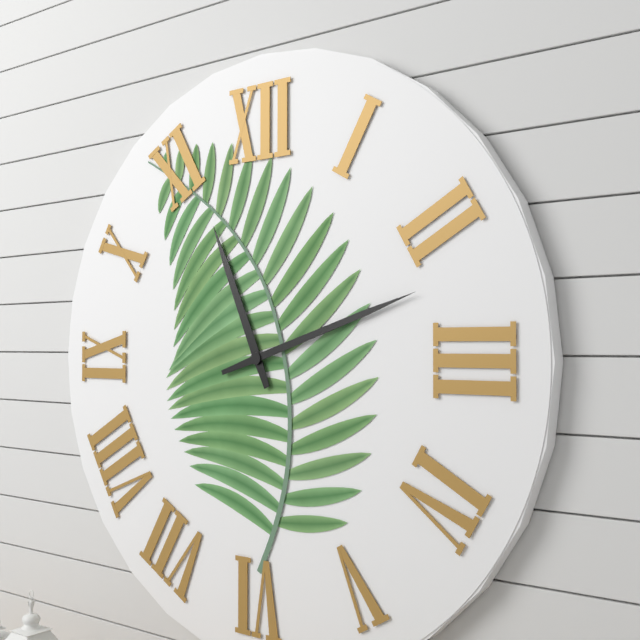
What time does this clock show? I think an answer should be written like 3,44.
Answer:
11,12
